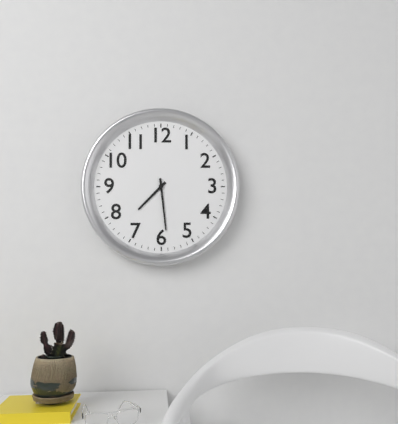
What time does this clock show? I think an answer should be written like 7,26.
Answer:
7,29
